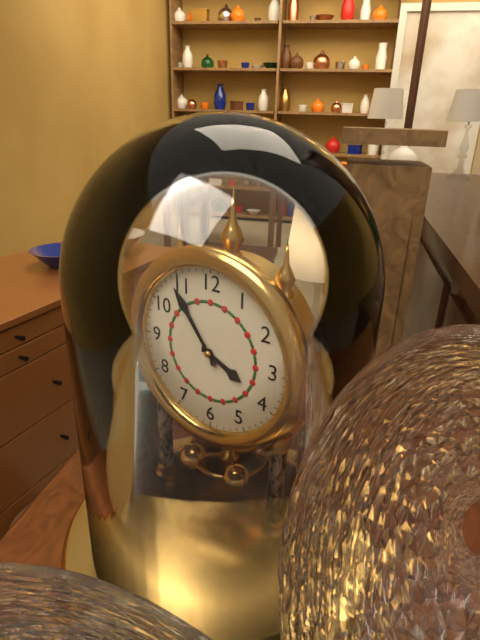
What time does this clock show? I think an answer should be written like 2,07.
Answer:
3,54
